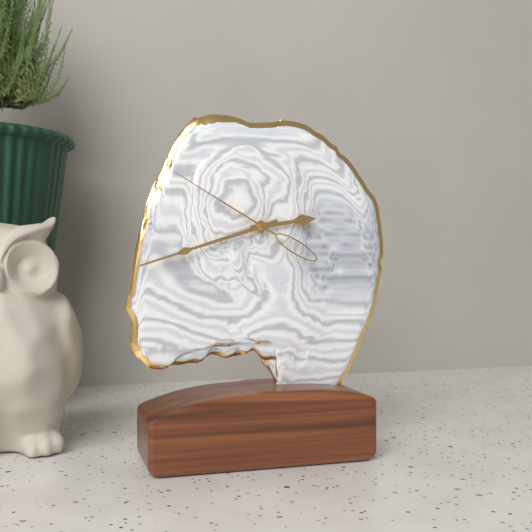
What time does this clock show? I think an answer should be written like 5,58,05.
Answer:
2,42,50
